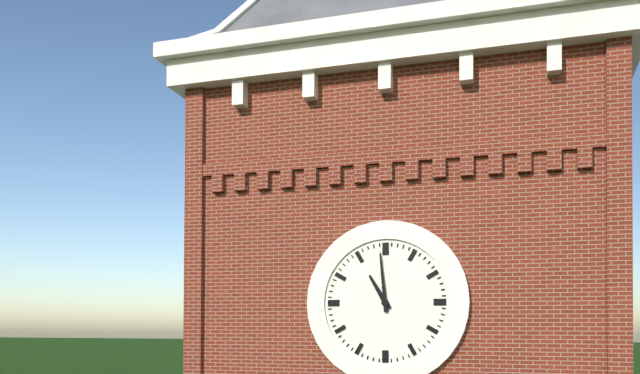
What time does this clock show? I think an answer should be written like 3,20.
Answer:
10,59
